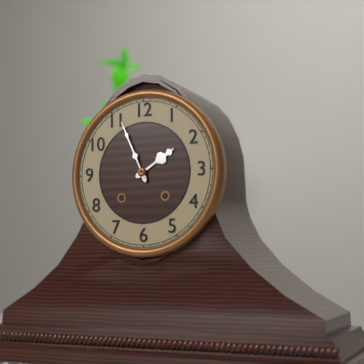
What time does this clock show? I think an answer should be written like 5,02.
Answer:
1,56
